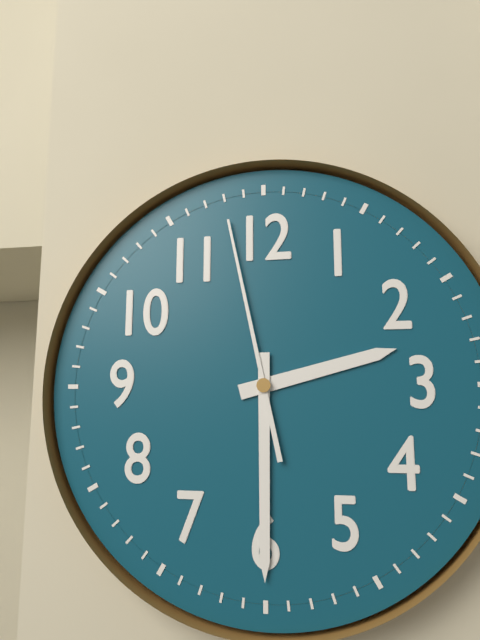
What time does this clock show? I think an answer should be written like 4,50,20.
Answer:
2,30,58
